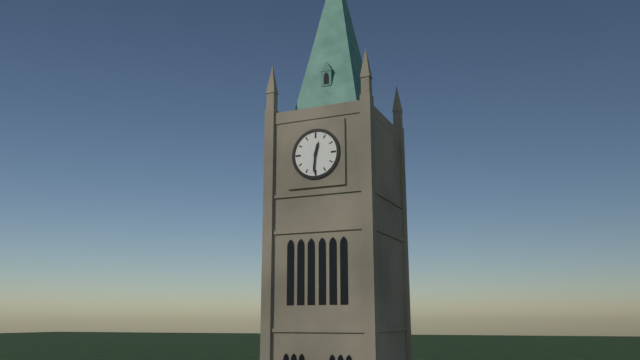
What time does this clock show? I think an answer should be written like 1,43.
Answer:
12,31
